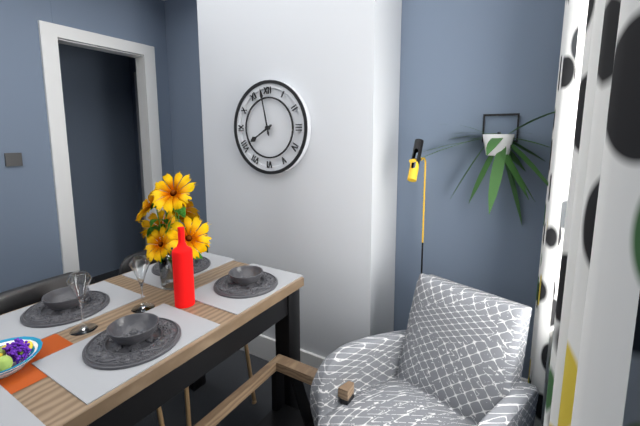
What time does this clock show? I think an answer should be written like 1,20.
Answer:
7,58
